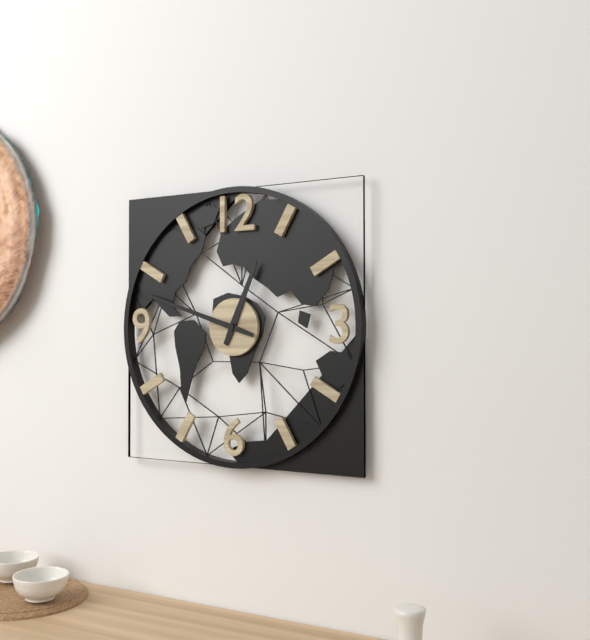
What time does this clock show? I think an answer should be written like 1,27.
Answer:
12,48
